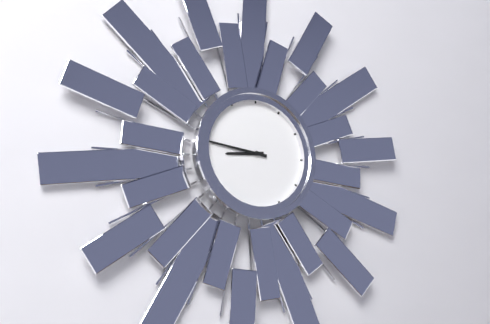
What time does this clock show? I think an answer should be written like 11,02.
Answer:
8,46
